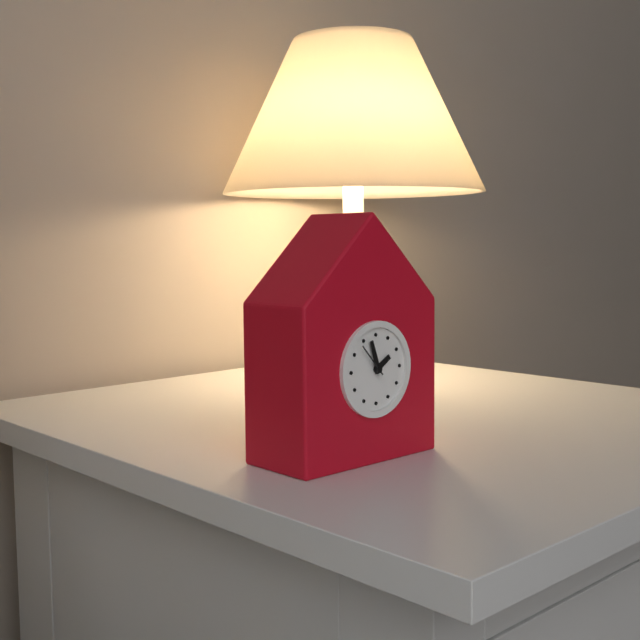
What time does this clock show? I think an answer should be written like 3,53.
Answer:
1,57
